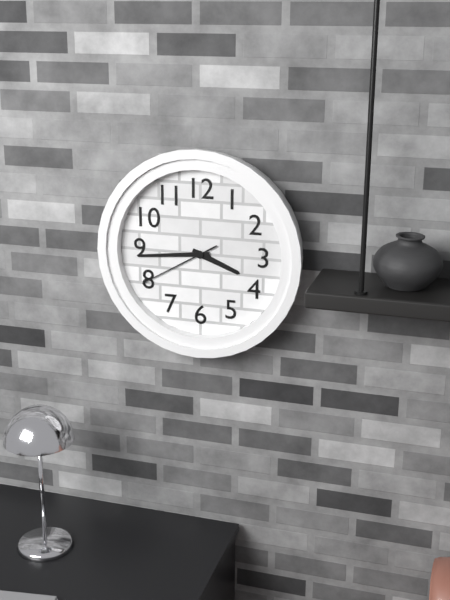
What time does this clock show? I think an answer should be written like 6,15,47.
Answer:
3,44,40
